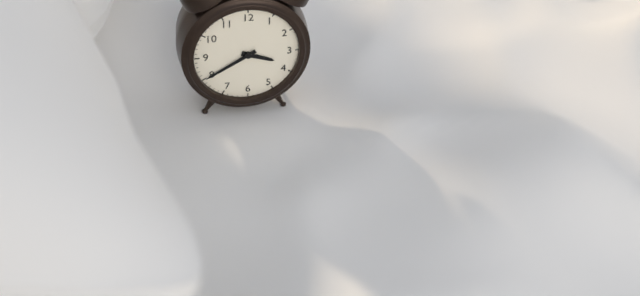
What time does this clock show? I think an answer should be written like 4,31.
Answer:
3,40
